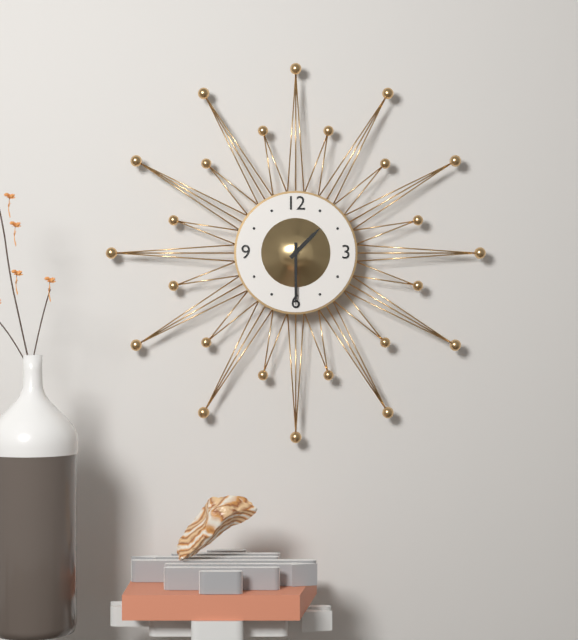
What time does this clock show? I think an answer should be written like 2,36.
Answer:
1,30
